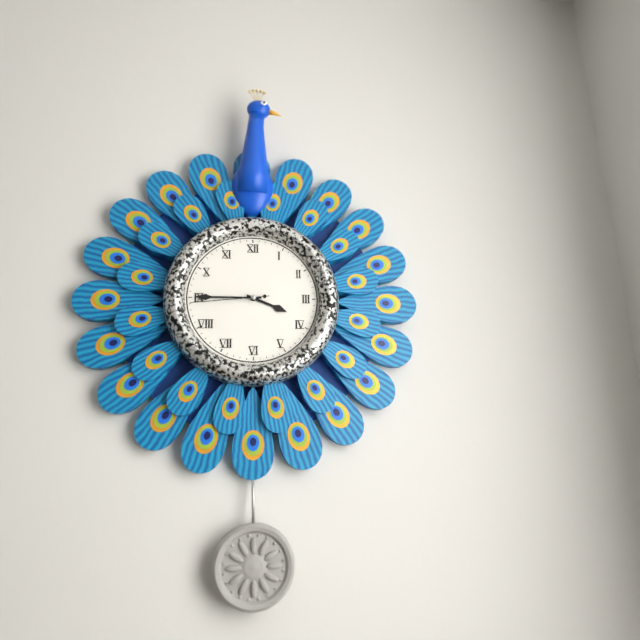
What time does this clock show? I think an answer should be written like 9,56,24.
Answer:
3,45,44
